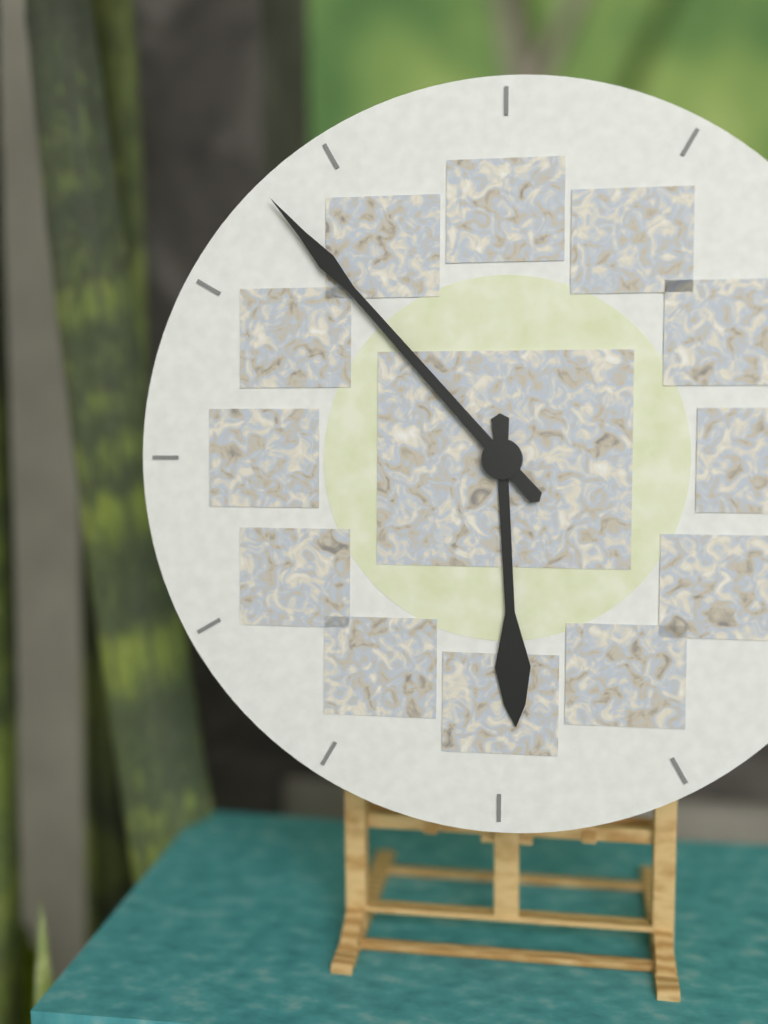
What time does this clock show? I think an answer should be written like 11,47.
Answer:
5,53
